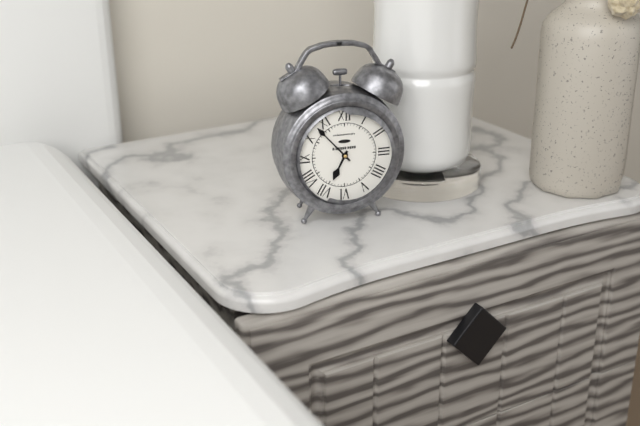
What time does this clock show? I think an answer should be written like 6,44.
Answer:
6,53
